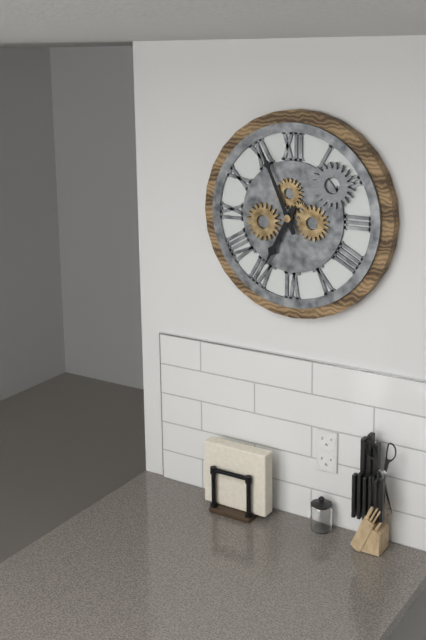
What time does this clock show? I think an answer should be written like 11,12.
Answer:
6,56
